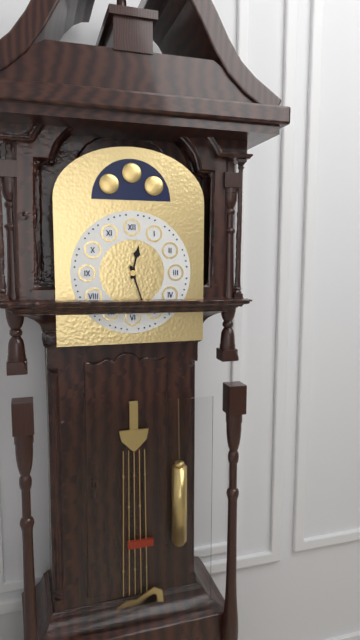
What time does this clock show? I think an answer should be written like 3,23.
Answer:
12,27
